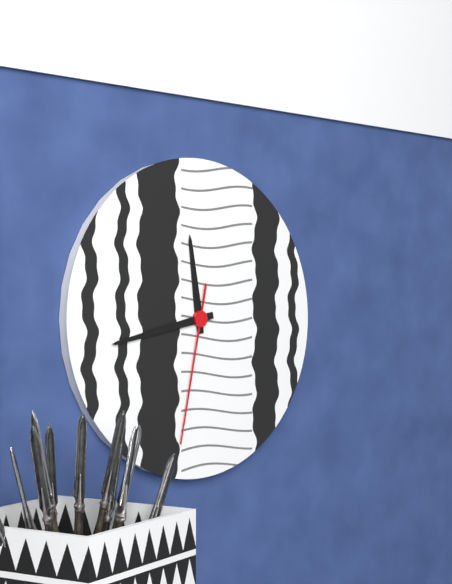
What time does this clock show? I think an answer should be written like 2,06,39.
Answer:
11,43,32
